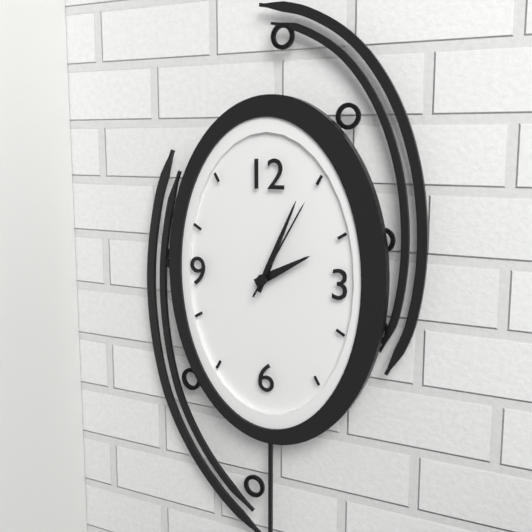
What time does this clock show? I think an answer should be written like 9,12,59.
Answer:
2,04,05
